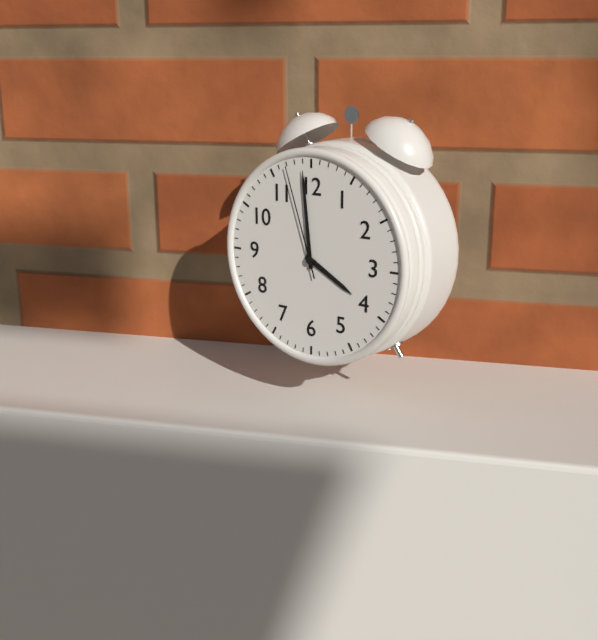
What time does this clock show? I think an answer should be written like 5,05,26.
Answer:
3,59,57
